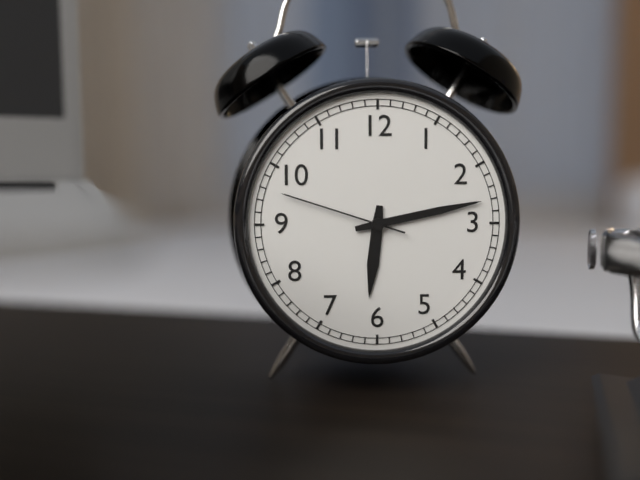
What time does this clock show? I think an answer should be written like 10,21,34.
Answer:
6,13,48
